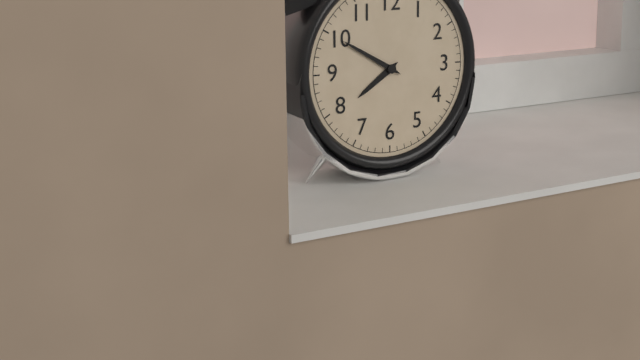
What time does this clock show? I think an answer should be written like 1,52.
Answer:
7,50
